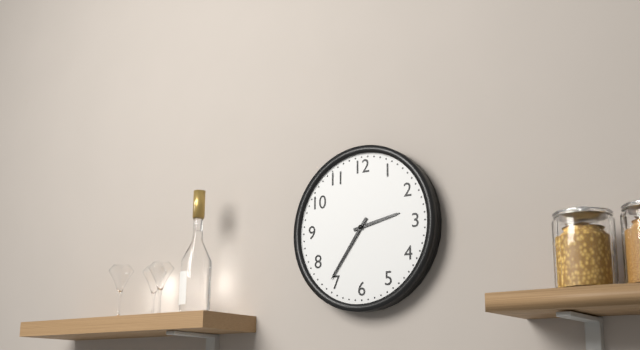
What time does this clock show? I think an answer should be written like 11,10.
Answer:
2,36
